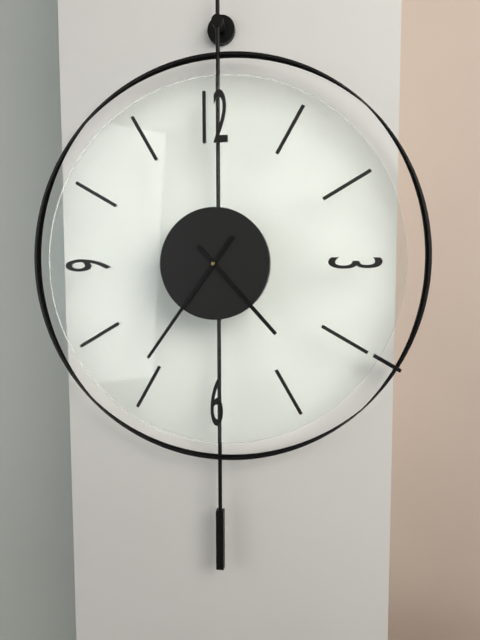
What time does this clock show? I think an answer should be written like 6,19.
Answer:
4,36
